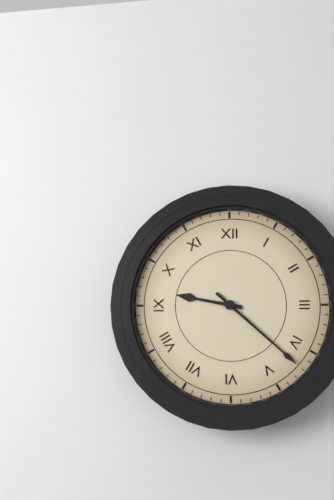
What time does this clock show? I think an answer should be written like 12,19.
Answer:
9,22
